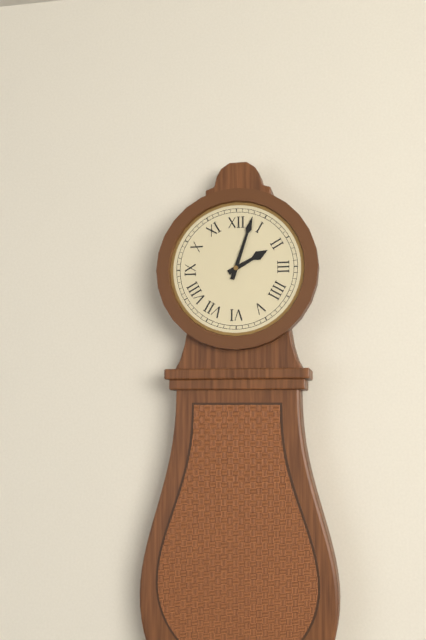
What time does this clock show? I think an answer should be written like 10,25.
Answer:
2,03
